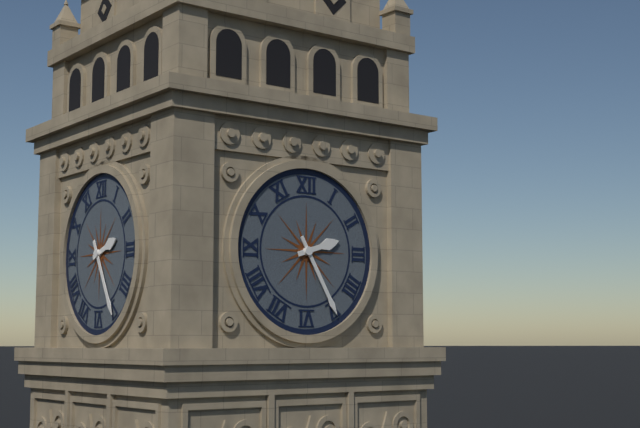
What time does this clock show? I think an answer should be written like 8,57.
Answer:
2,25
